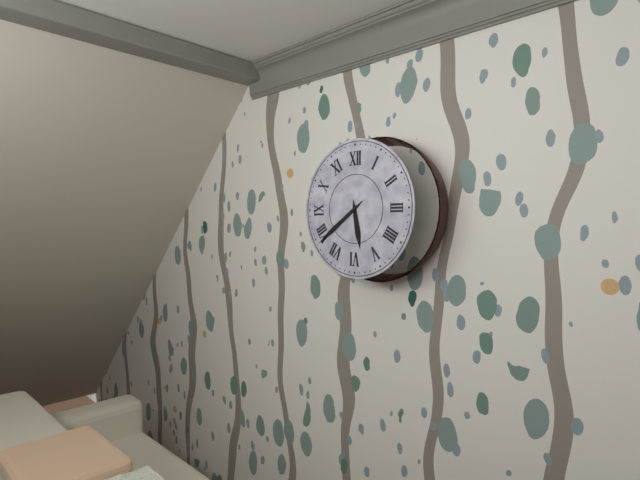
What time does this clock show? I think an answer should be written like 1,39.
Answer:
5,39
